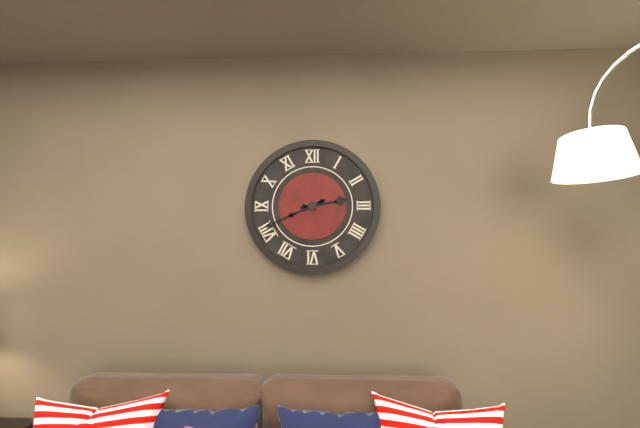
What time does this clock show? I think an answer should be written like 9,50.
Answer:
2,41
